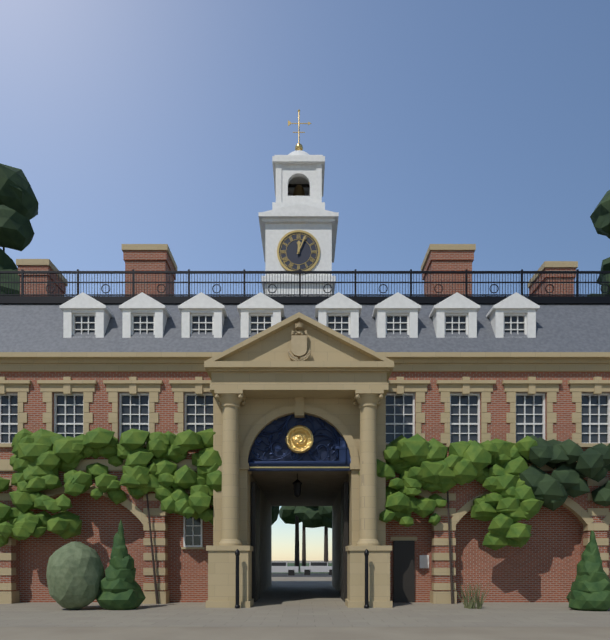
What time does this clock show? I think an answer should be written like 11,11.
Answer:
12,04
